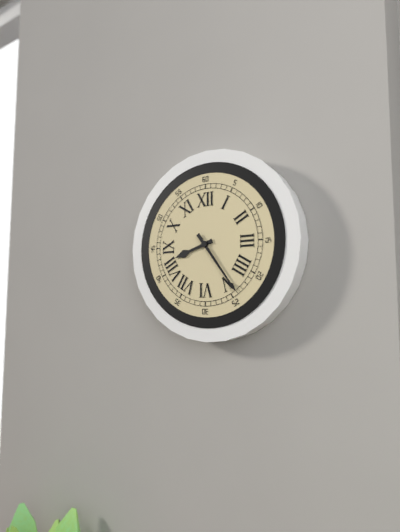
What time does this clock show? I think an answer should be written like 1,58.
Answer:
8,24
